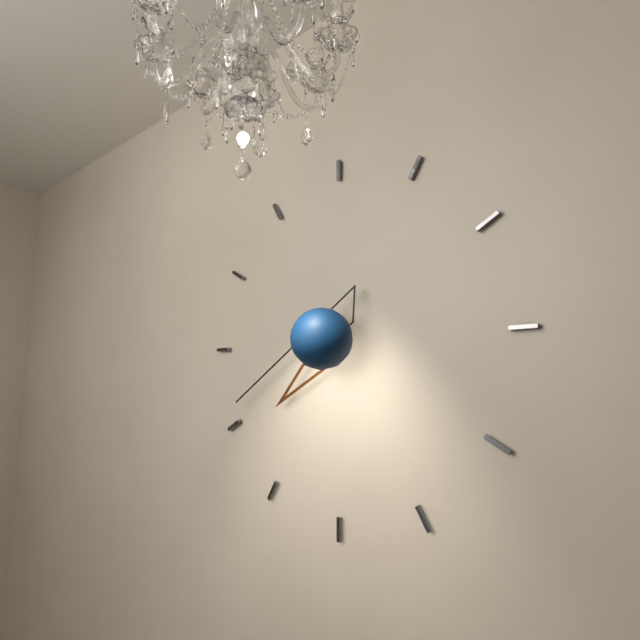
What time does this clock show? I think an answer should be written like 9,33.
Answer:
7,41
